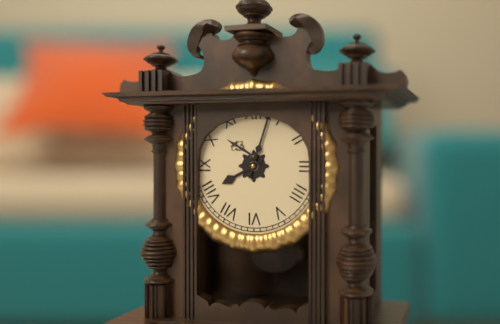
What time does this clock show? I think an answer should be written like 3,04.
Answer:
8,03
